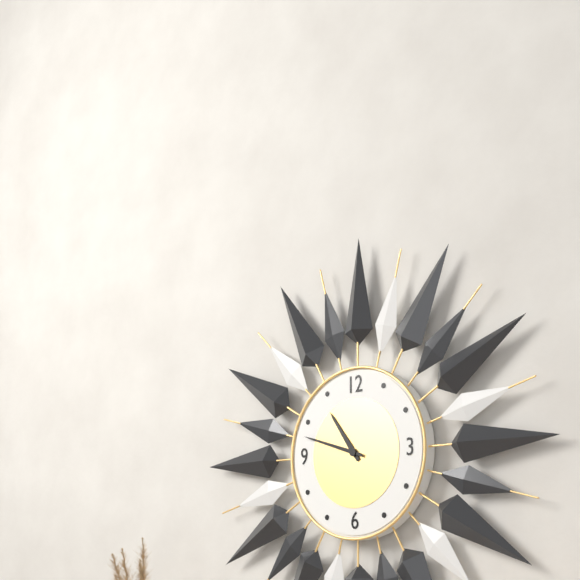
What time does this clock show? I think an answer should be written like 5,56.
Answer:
10,48
